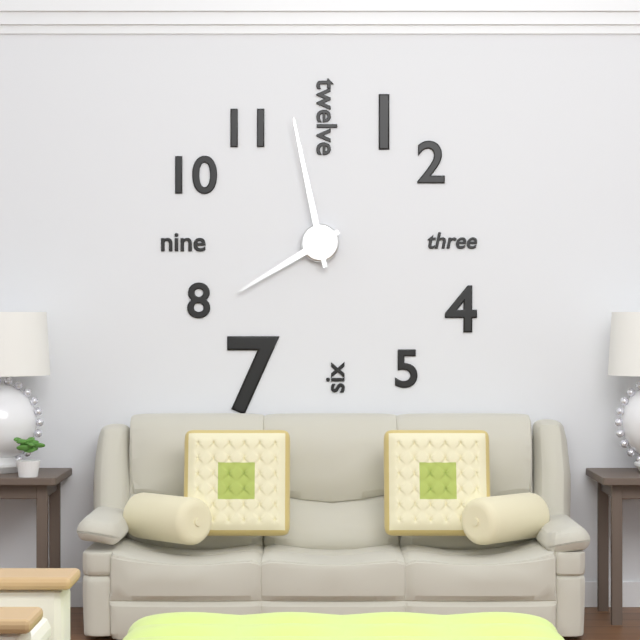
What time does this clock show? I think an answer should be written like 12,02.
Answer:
7,58
